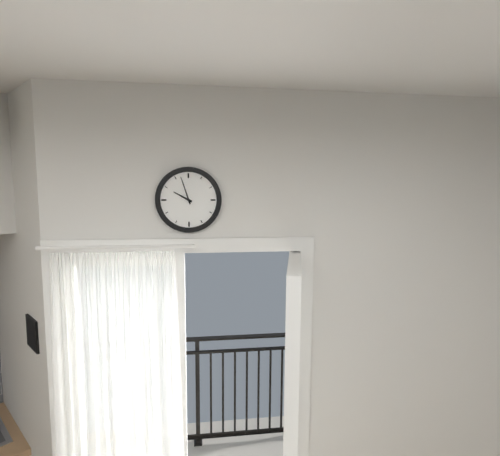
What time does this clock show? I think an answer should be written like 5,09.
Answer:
9,57
